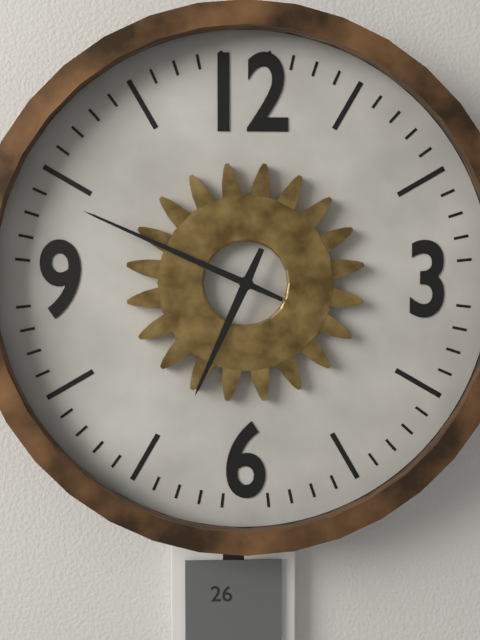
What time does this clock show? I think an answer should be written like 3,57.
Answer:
6,49
